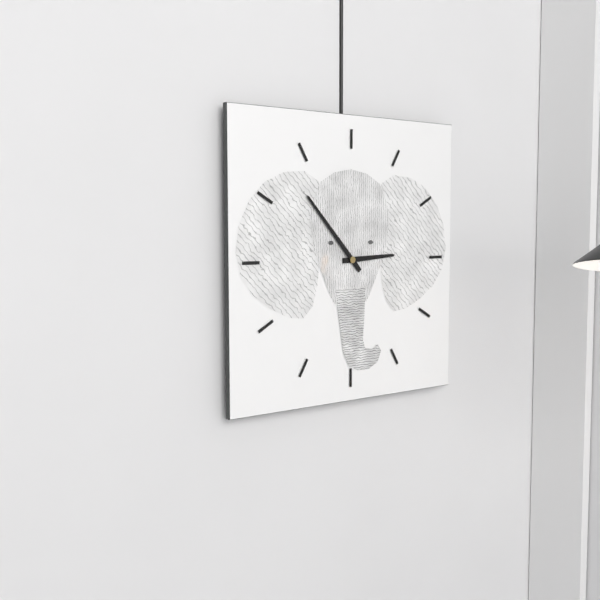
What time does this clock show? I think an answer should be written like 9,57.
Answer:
2,53
